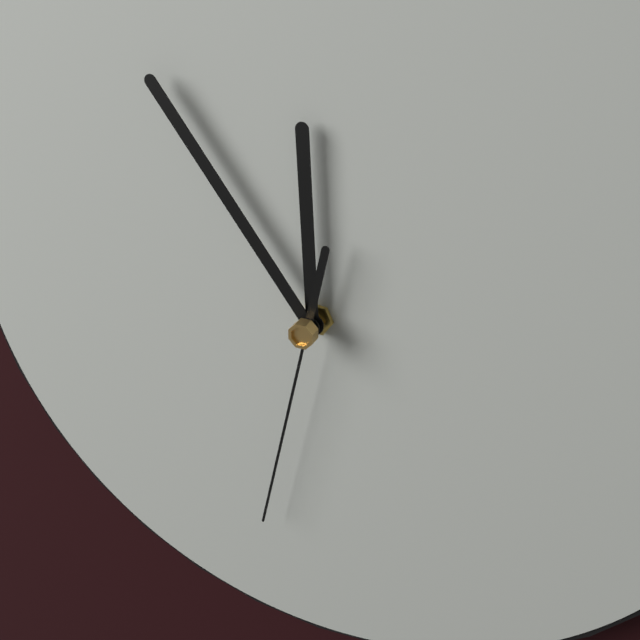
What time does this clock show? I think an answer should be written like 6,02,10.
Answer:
11,54,32
